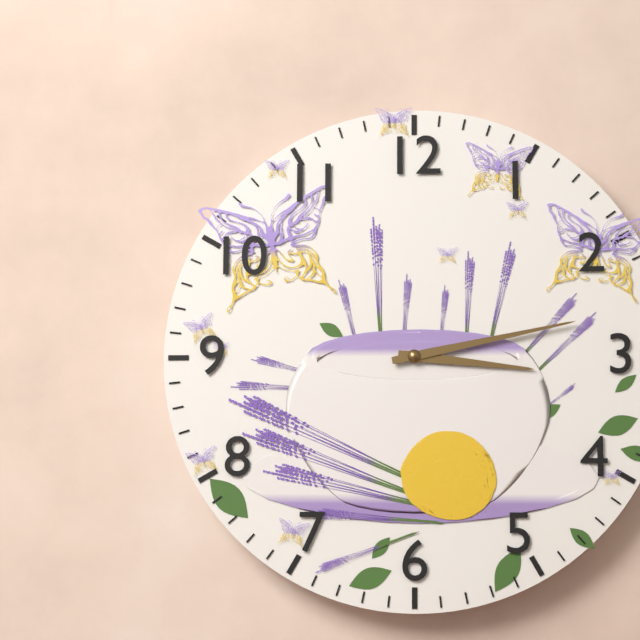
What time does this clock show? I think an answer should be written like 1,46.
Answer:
3,13
